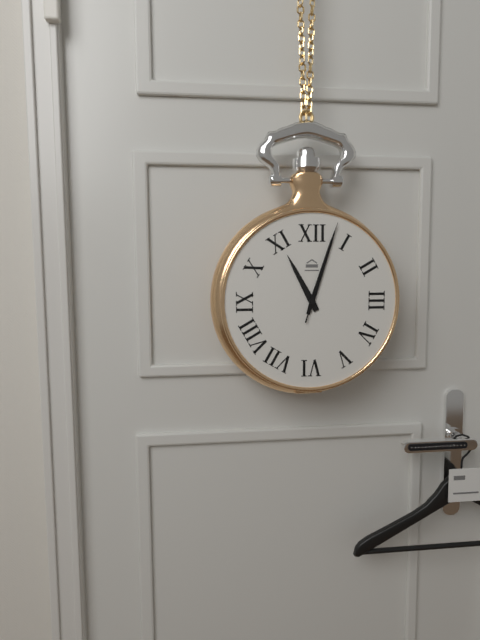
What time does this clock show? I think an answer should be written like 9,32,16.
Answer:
11,03,03
